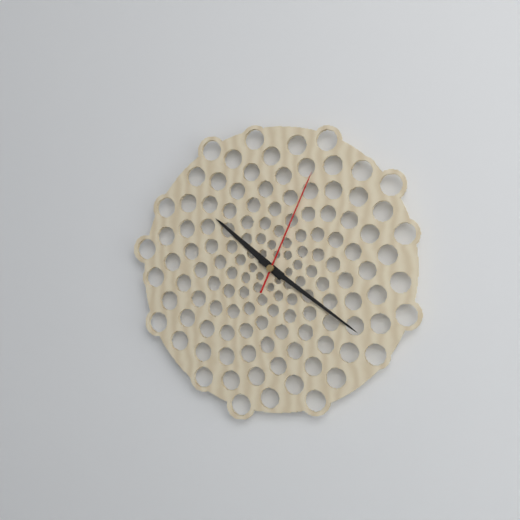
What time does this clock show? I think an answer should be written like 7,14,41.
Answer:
10,21,04
